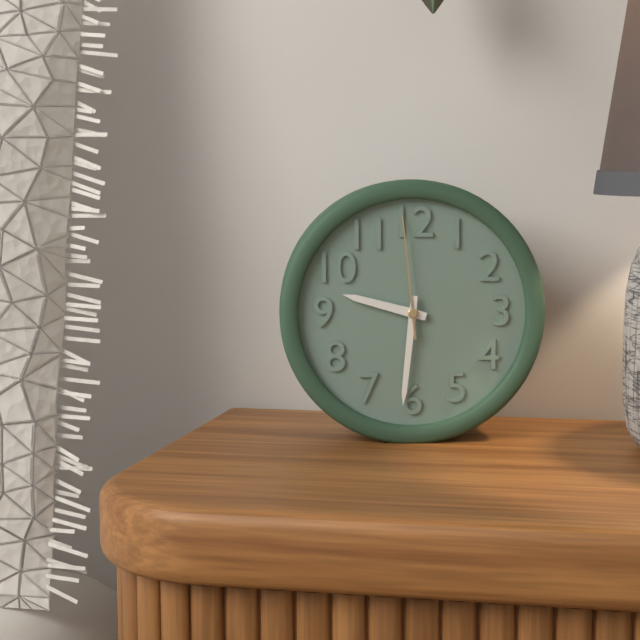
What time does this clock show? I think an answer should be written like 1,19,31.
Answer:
9,31,59
